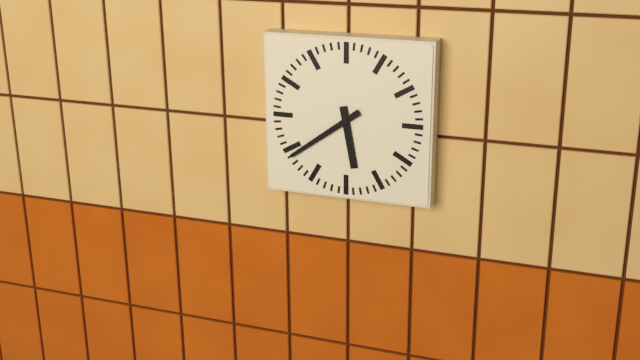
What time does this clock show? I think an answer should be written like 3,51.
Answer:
5,39
